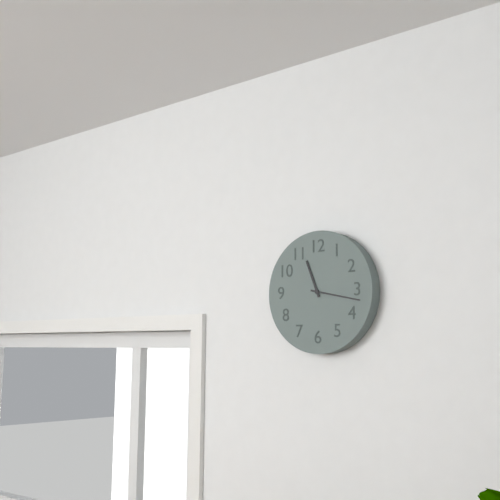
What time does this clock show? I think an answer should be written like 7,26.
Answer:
11,17
